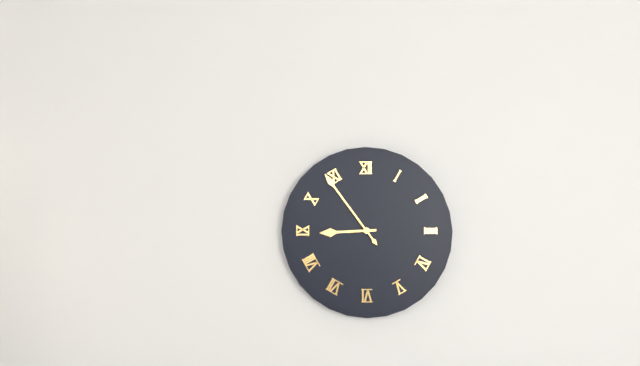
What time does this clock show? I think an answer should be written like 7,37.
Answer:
8,54
